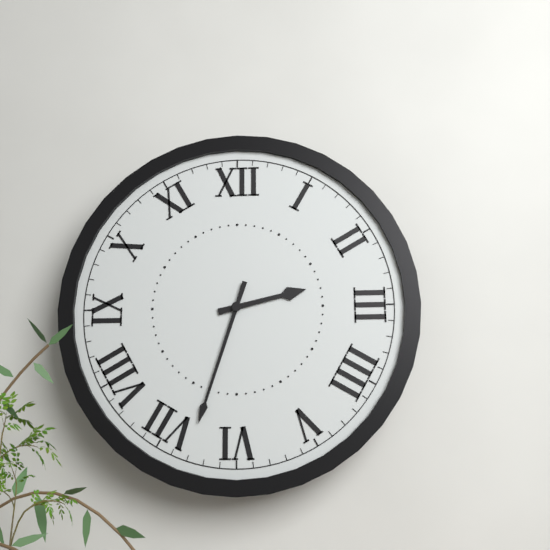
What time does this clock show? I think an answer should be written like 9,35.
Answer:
2,33
